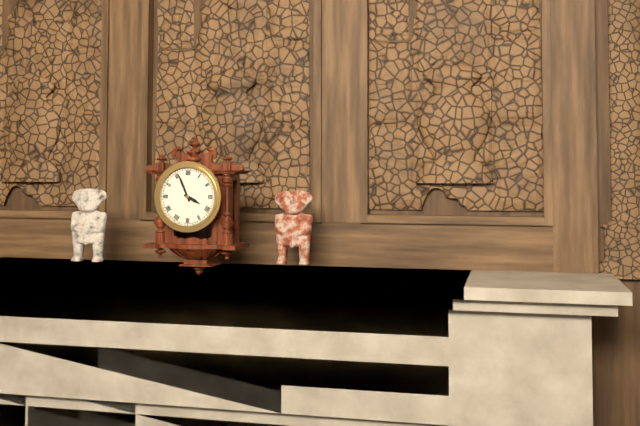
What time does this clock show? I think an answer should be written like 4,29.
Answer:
3,56
